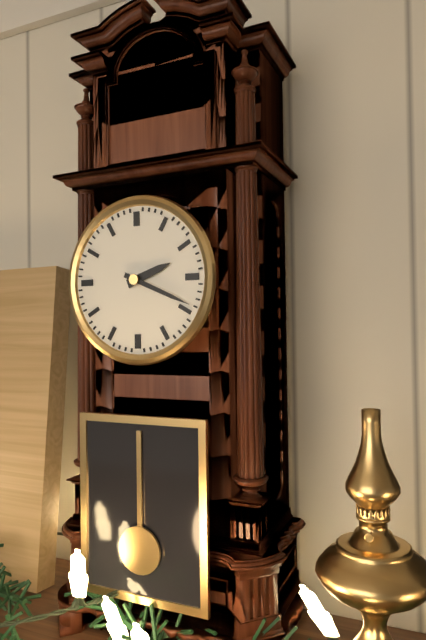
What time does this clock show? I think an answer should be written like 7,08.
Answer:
2,19
